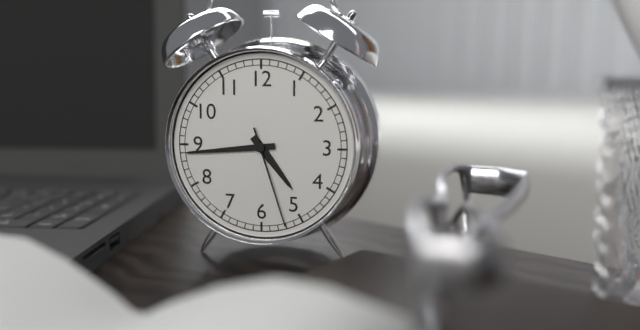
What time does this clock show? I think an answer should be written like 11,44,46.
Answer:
4,44,27
